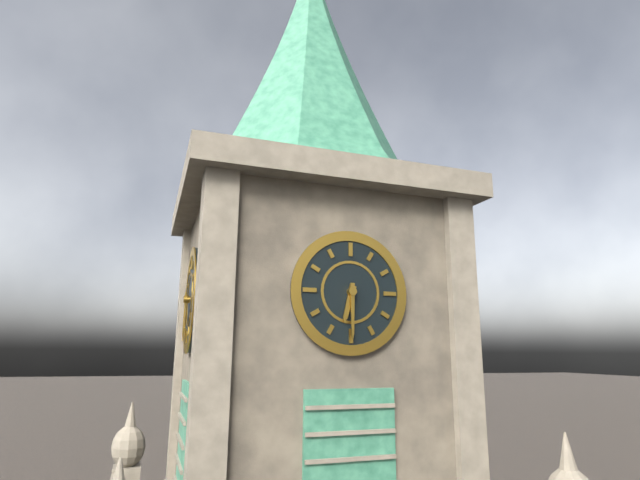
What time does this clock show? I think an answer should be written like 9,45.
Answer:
6,30
